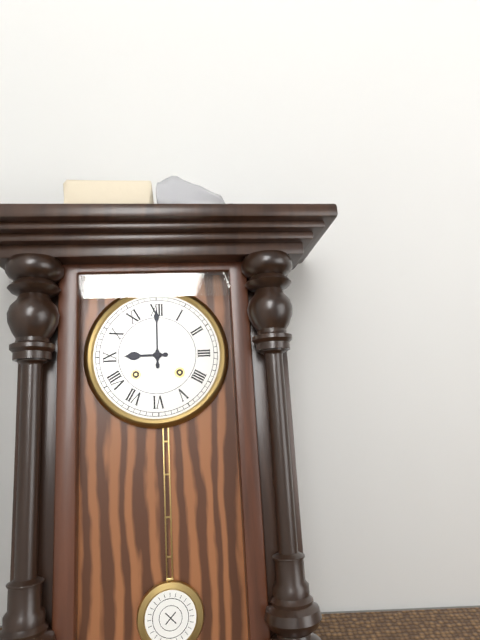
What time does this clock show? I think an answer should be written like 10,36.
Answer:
9,00
